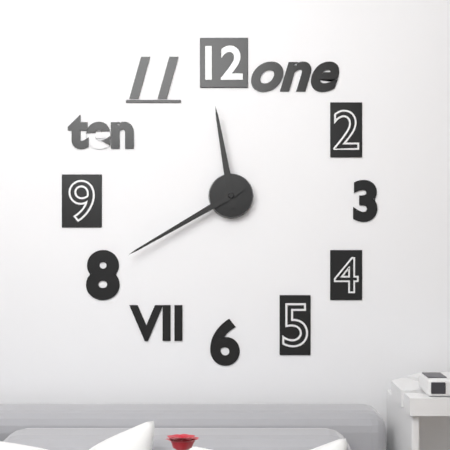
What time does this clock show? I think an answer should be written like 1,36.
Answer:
11,40
